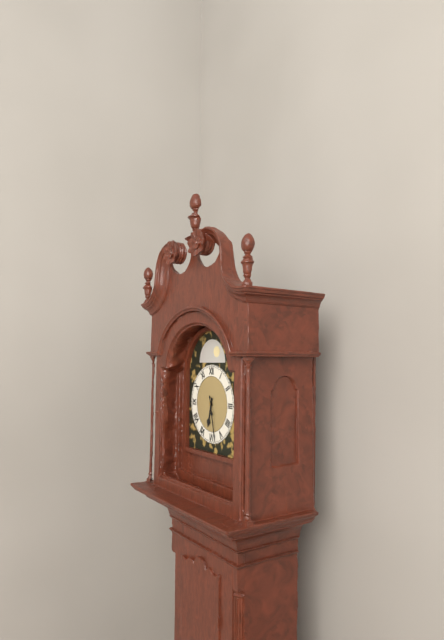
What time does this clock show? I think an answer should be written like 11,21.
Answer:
6,28
